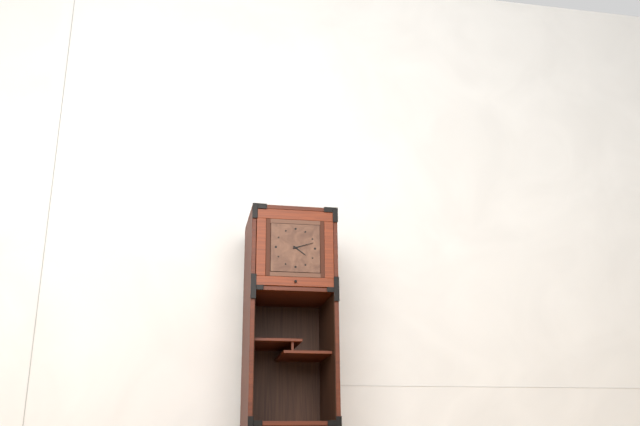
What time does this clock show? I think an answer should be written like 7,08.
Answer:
4,12
